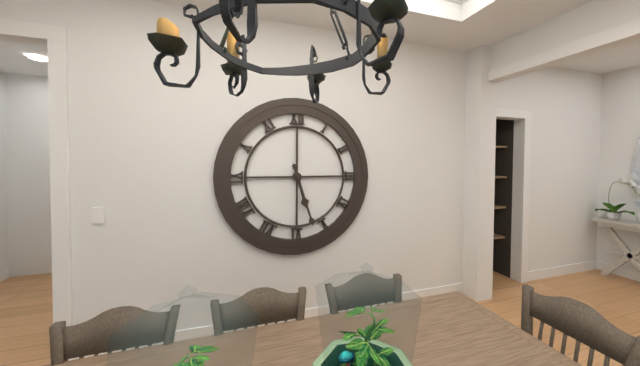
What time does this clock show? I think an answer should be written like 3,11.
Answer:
5,27
